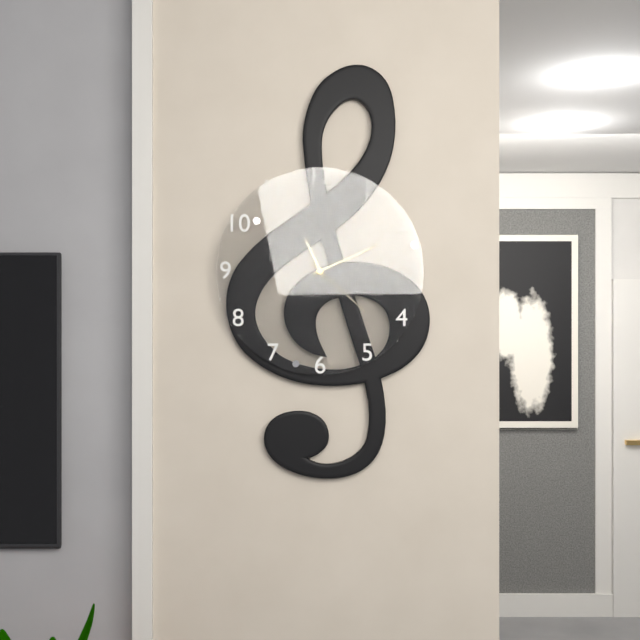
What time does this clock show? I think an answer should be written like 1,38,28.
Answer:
11,11,22
